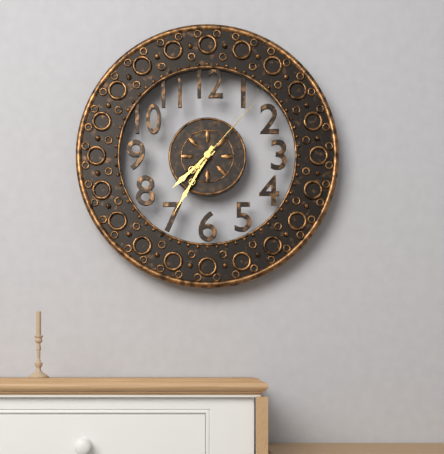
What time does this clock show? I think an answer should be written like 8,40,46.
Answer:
7,35,07
